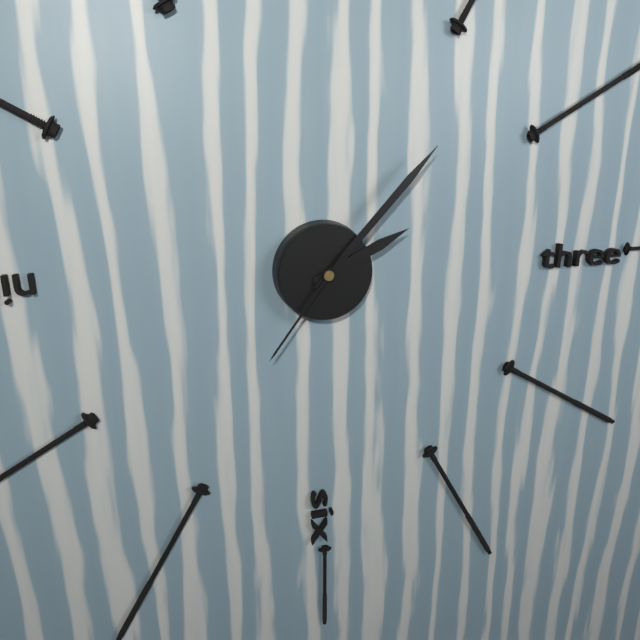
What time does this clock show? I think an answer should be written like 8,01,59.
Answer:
2,07,36
